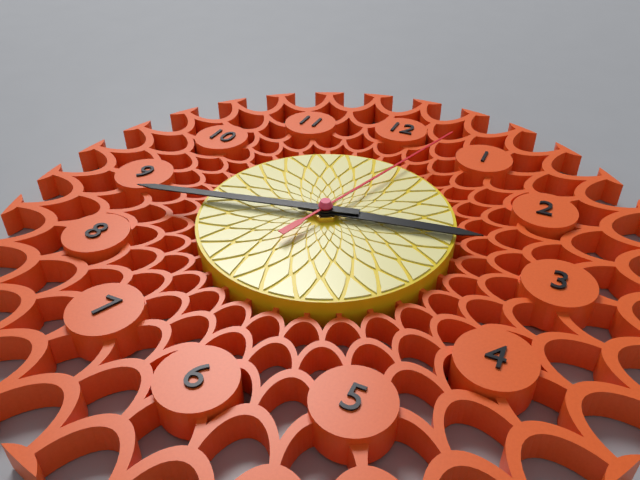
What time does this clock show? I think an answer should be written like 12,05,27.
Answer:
2,43,03
